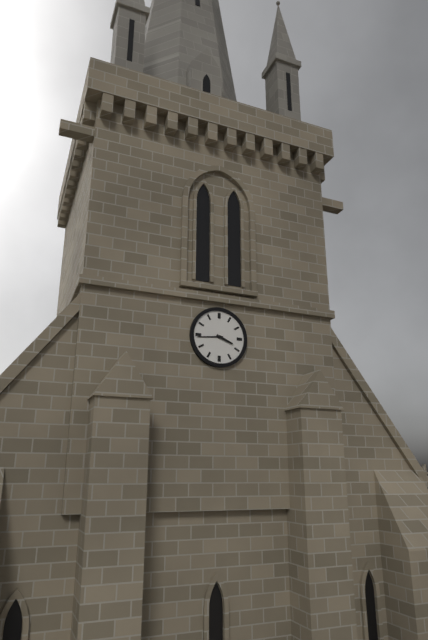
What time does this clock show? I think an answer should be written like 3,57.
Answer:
3,44
